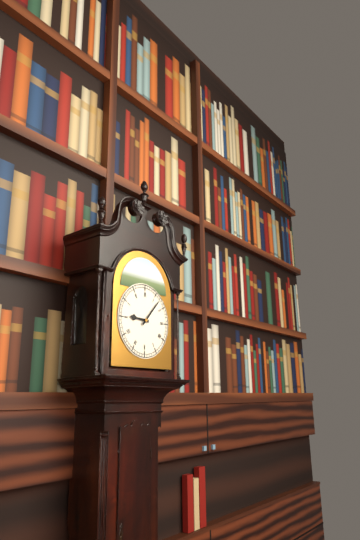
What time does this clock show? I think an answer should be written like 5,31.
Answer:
9,07
